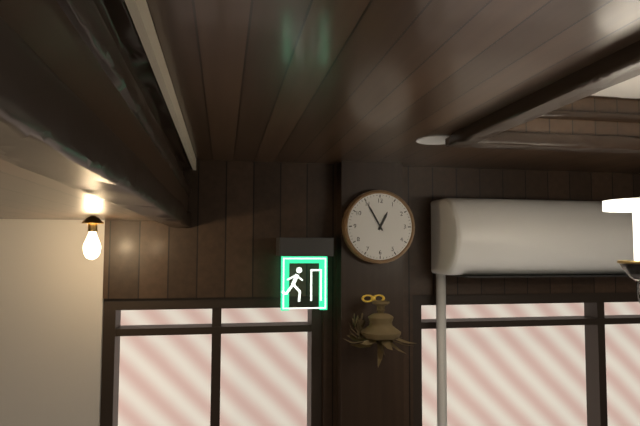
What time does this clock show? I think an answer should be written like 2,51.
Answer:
12,55
